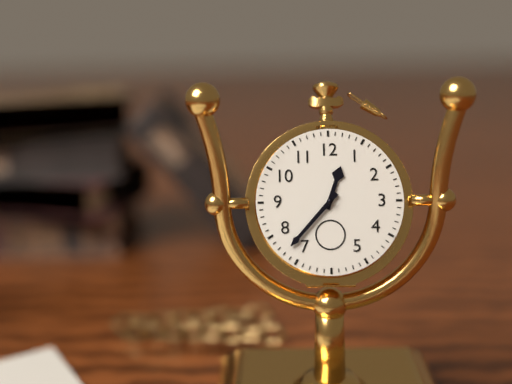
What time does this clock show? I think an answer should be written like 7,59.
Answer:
12,37
